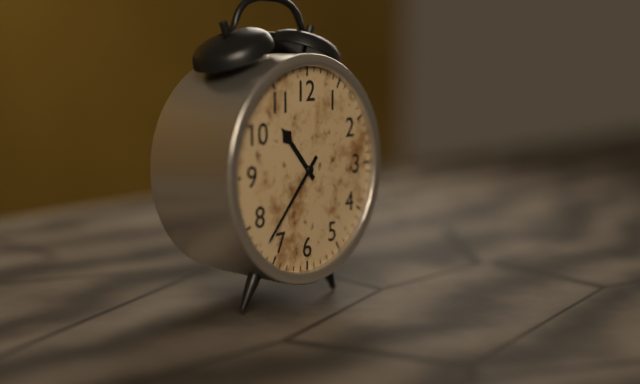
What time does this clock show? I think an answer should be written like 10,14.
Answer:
10,37
